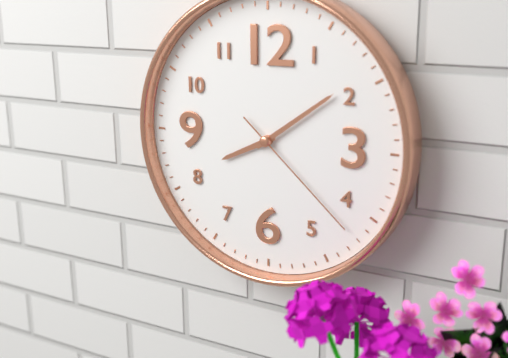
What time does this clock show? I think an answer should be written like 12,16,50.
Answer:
8,09,22
